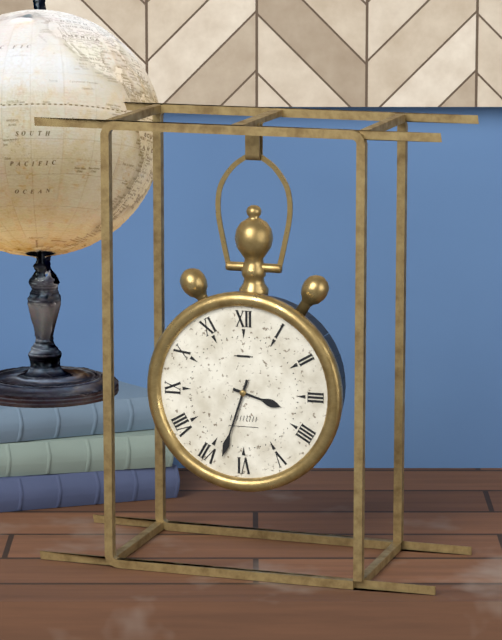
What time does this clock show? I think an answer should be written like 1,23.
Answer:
3,33
